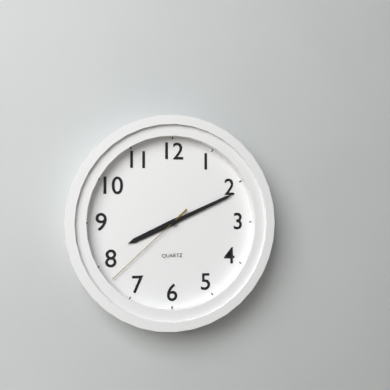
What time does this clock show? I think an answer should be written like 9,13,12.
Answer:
8,11,38
